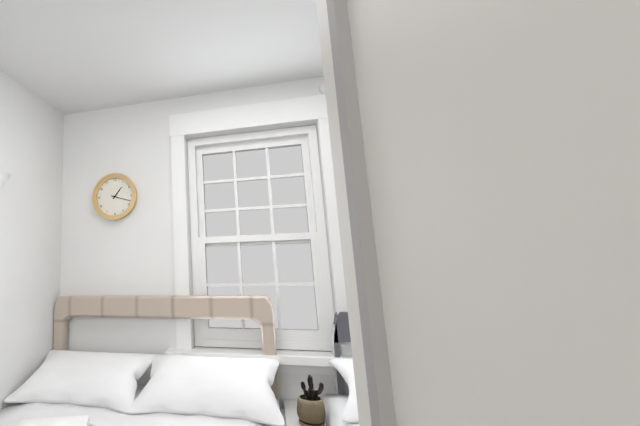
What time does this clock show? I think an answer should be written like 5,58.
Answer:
1,18
